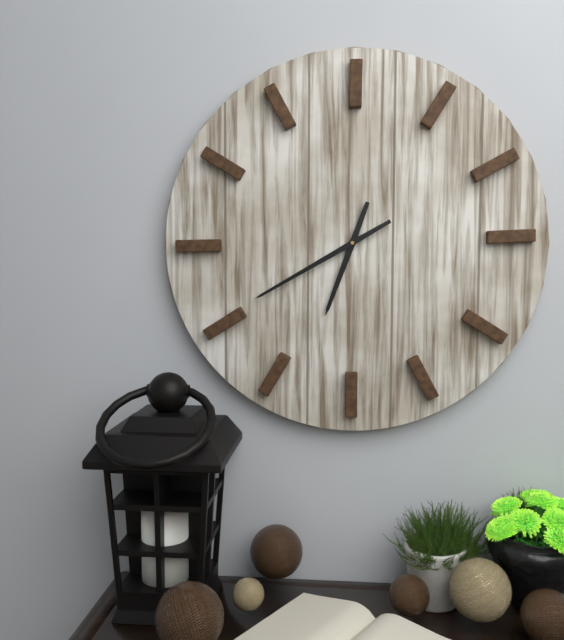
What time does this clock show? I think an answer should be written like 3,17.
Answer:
6,40
